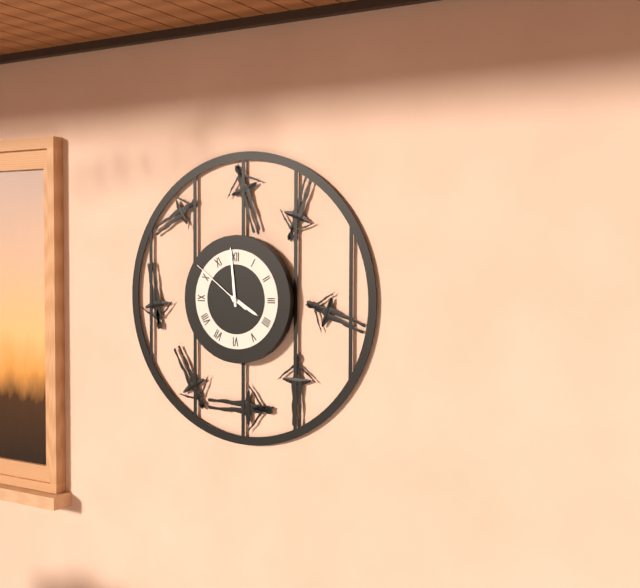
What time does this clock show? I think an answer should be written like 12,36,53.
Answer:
3,59,51
